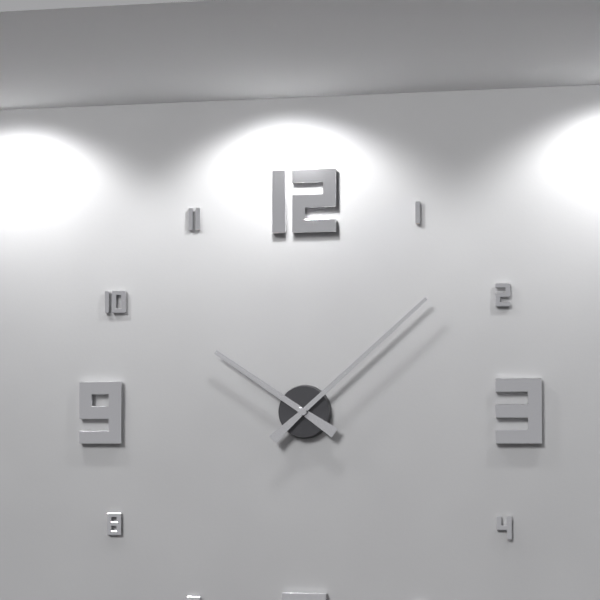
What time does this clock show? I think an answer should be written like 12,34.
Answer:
10,08
